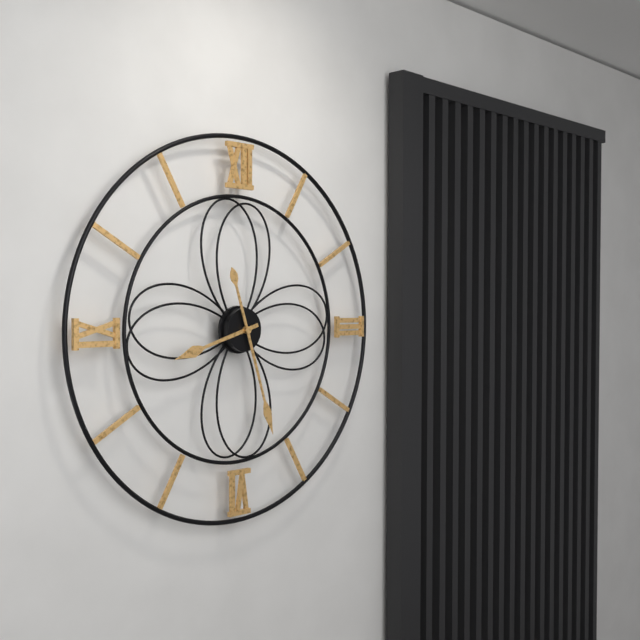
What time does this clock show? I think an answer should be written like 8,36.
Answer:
8,27
